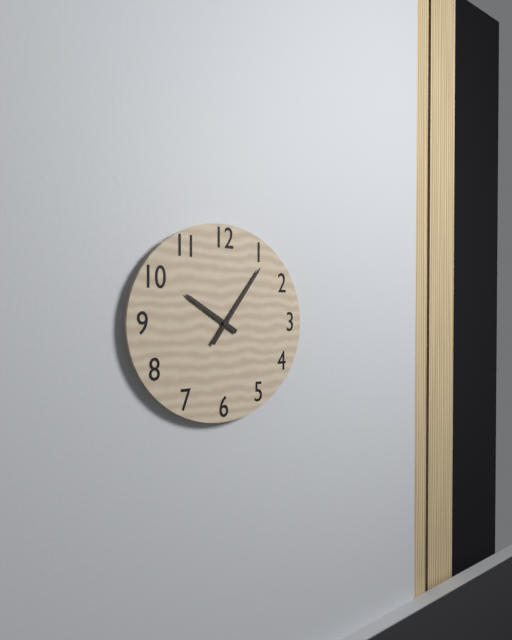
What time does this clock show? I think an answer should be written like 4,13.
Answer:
10,06
